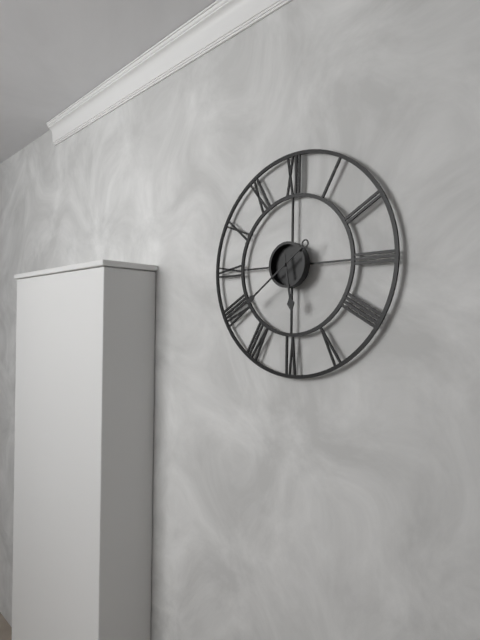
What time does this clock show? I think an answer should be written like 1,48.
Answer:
5,39
